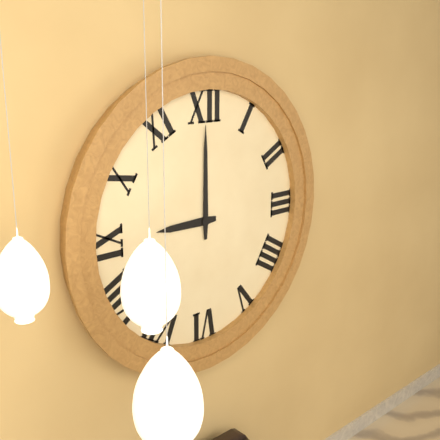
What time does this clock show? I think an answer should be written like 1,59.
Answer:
9,00
